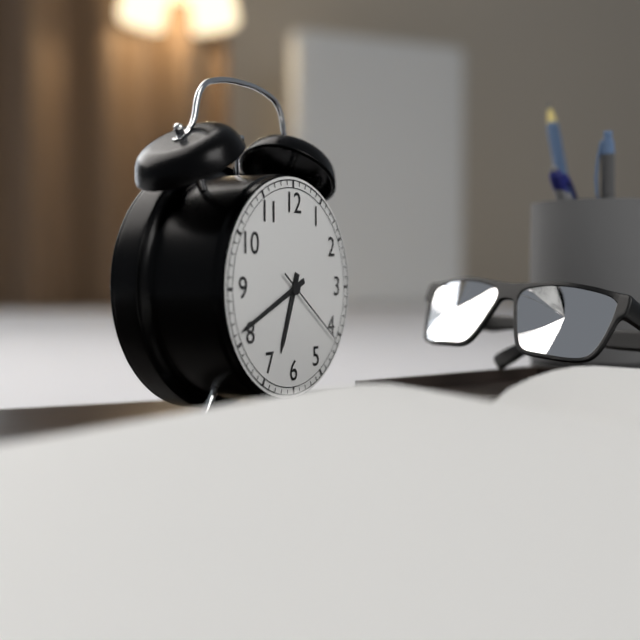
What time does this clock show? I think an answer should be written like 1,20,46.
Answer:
6,41,21
